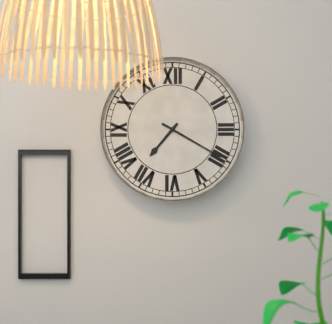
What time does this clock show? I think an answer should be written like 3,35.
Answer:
7,20
